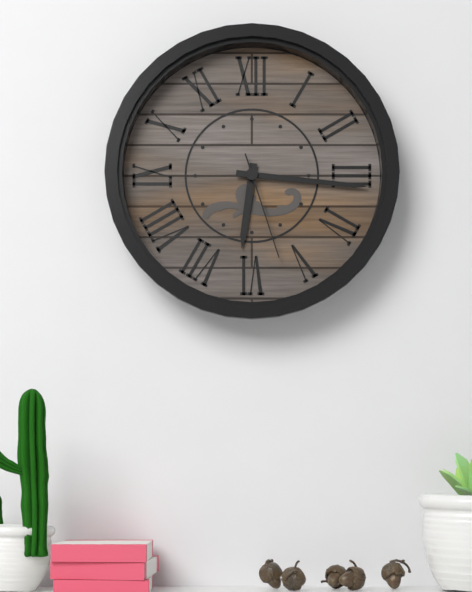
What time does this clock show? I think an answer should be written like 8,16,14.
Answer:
6,16,27
